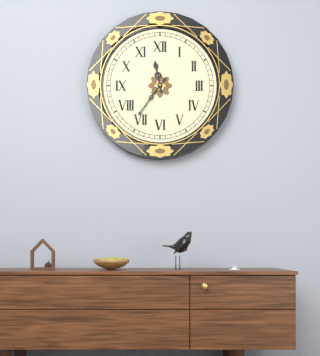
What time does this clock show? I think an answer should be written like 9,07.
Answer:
11,36
